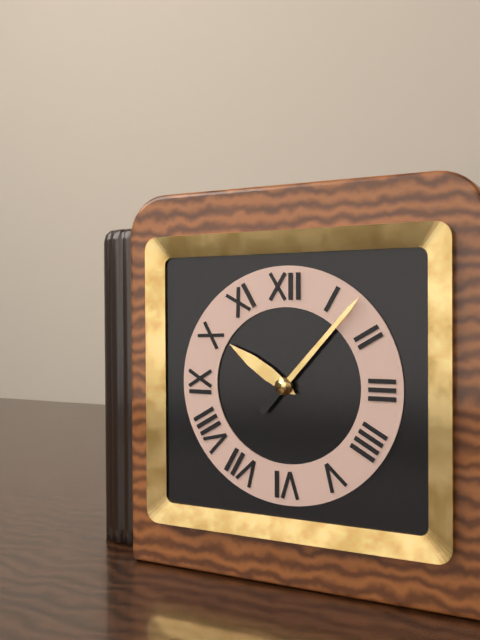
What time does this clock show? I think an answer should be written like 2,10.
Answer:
10,07
